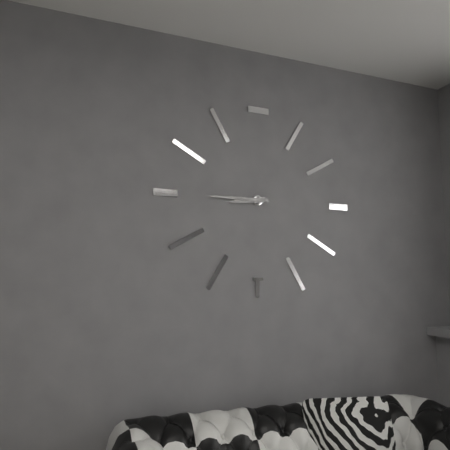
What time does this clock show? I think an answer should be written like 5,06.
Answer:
8,45
